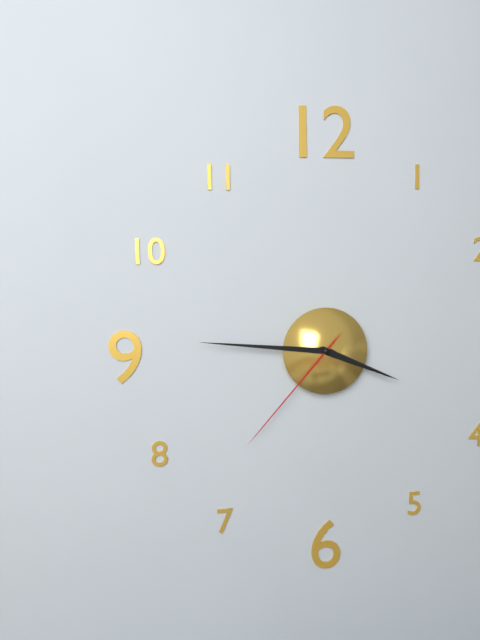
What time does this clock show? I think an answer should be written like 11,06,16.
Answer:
3,46,37
